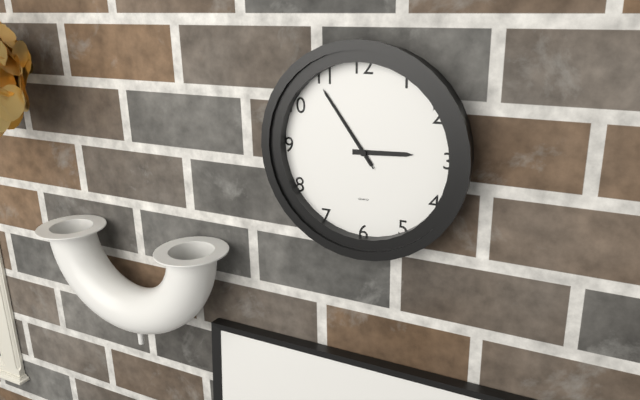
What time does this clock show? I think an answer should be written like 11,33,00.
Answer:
2,54,54
